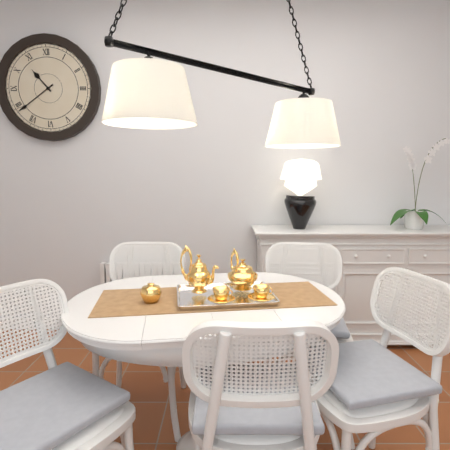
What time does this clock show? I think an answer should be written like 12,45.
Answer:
10,39
